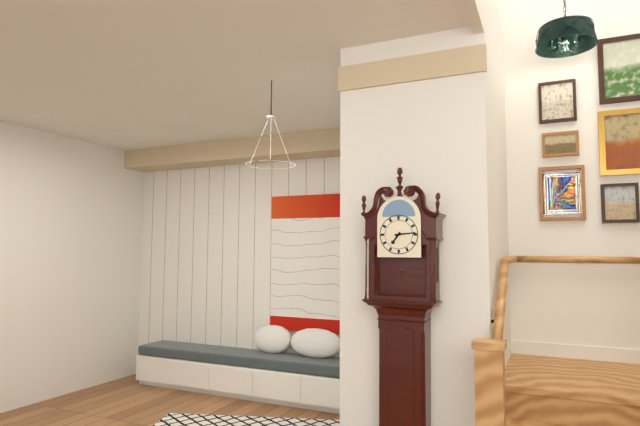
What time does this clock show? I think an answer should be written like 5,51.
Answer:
7,14
